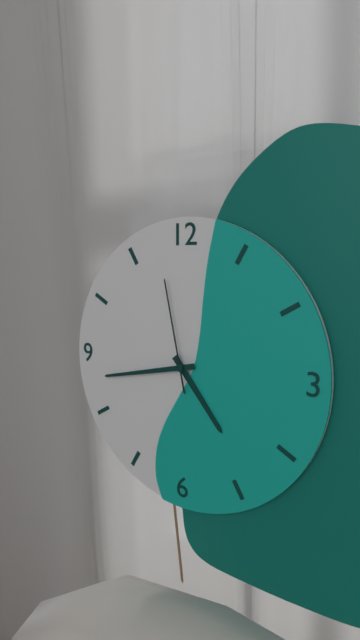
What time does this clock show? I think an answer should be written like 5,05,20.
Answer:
4,43,58
